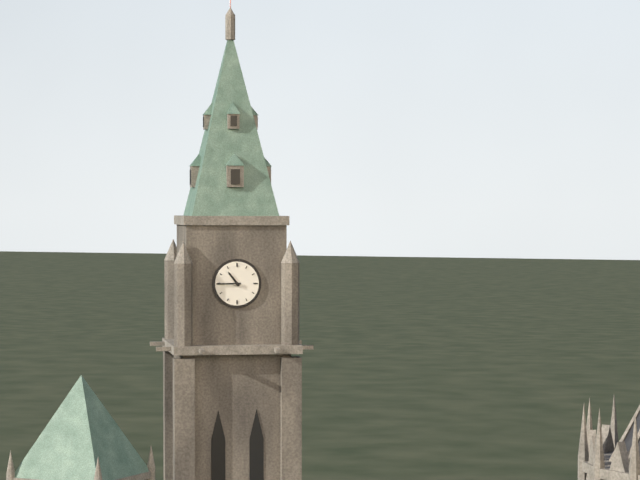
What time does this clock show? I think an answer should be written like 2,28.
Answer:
10,45
